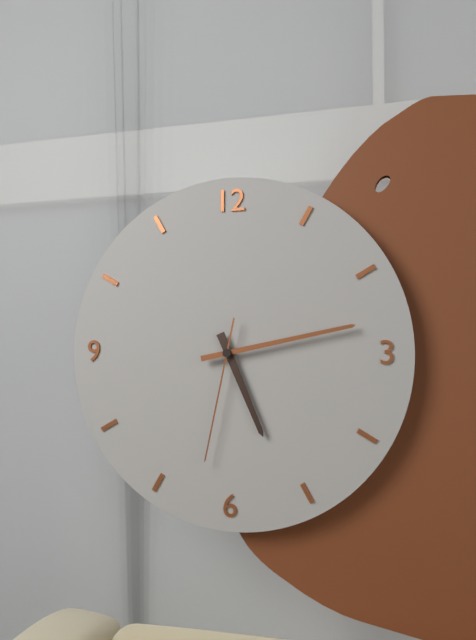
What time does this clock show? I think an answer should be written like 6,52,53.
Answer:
5,13,32
